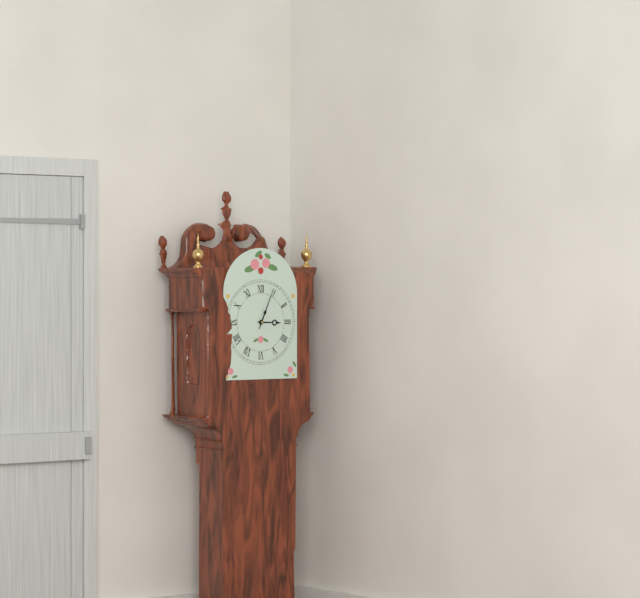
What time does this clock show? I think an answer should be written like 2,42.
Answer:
3,04
